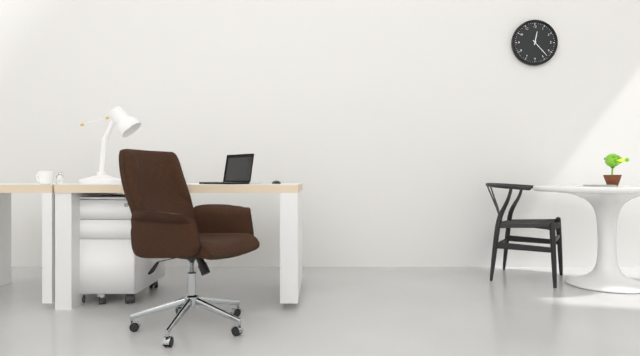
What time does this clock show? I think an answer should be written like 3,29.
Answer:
12,23
